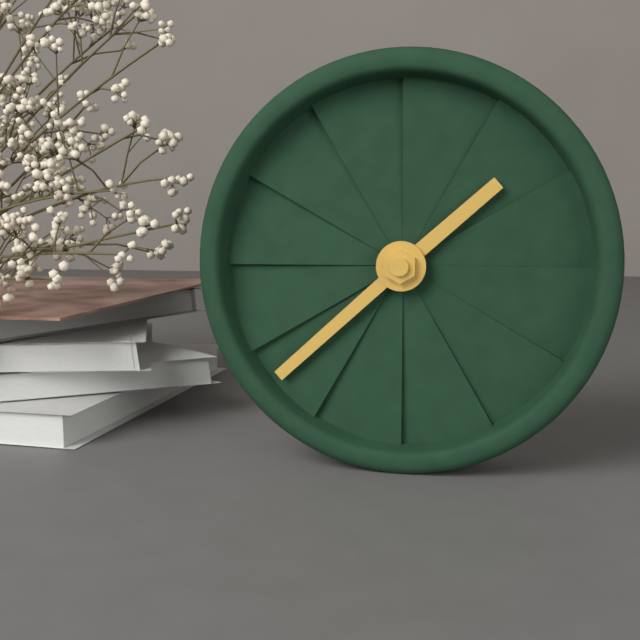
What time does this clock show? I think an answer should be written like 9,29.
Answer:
1,38
